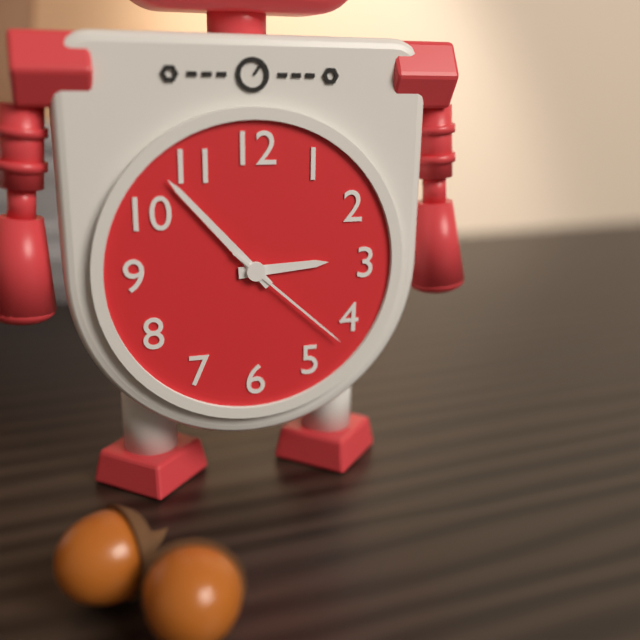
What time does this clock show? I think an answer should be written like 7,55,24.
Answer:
2,53,22
